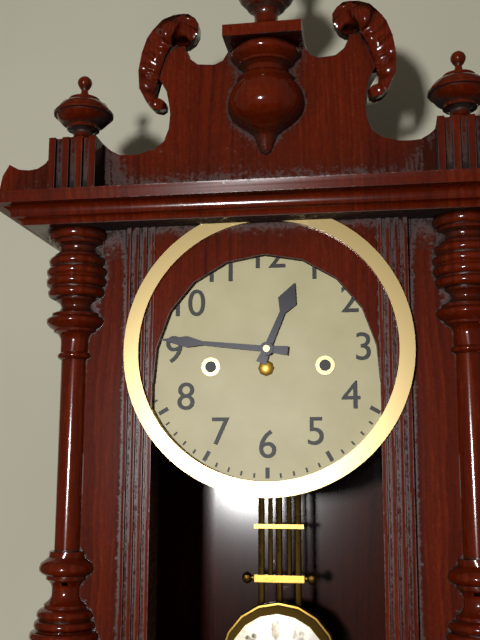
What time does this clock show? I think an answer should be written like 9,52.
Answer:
12,46
